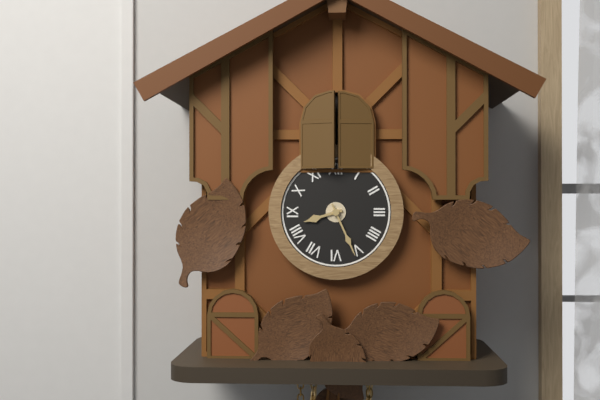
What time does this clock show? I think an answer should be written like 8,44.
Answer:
8,26
